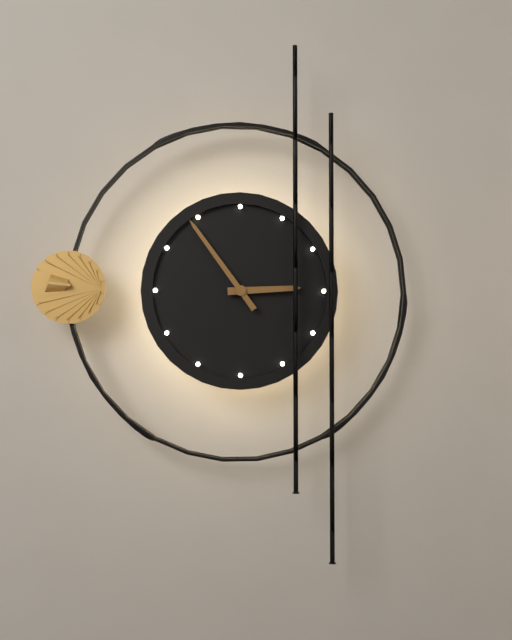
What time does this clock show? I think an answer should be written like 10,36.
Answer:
2,54
